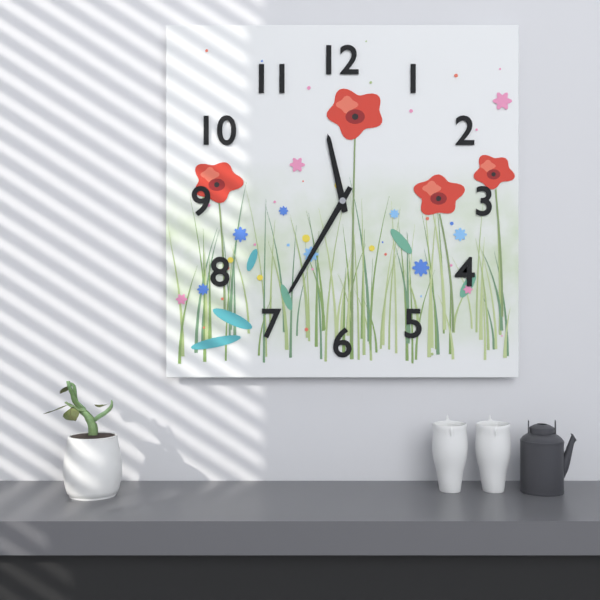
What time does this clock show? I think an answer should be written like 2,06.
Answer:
11,35
